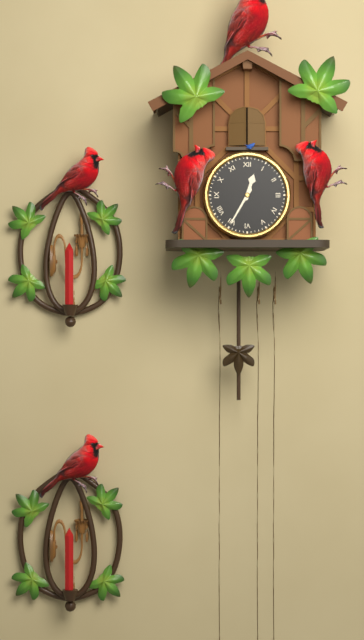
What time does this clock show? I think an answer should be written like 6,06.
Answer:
12,35
